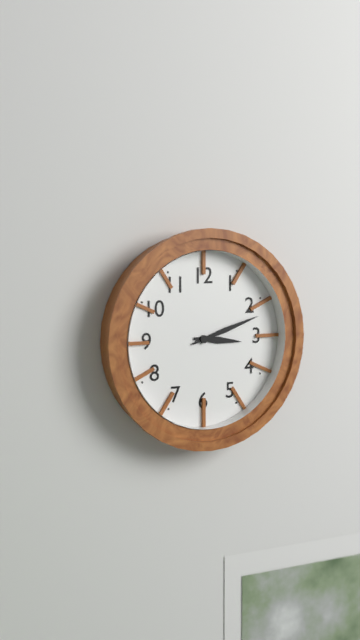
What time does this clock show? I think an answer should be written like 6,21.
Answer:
3,12
